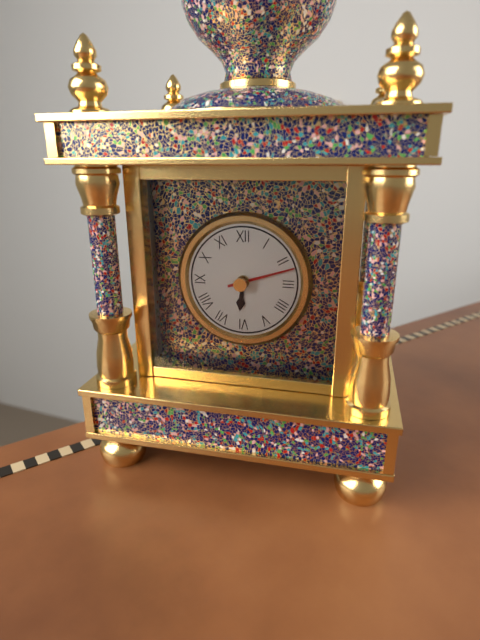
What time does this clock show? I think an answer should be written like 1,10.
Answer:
6,12
